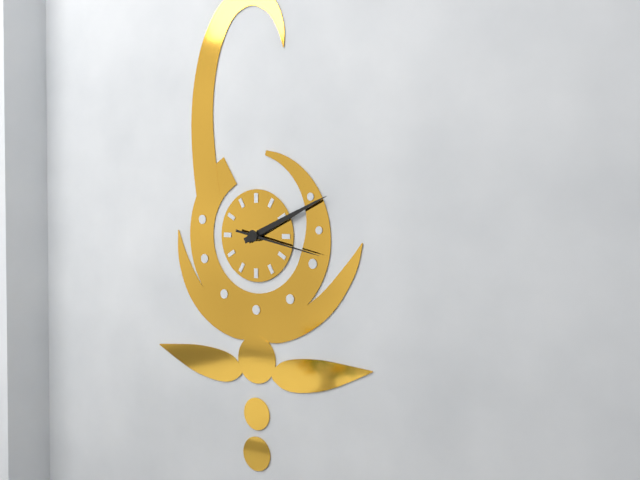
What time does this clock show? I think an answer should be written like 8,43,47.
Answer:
2,11,17
